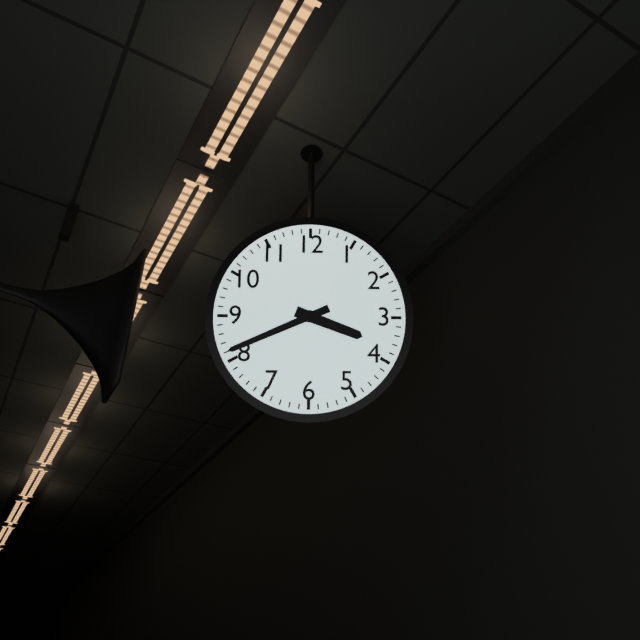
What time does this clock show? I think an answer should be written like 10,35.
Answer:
3,41
